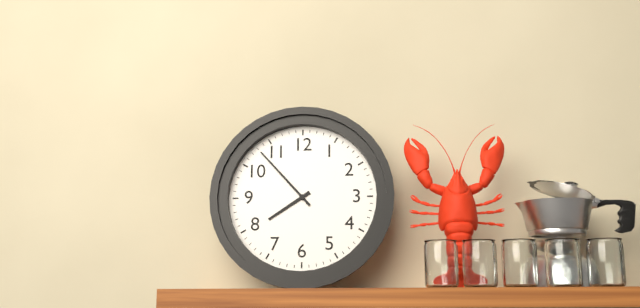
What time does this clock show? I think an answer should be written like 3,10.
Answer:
7,53
